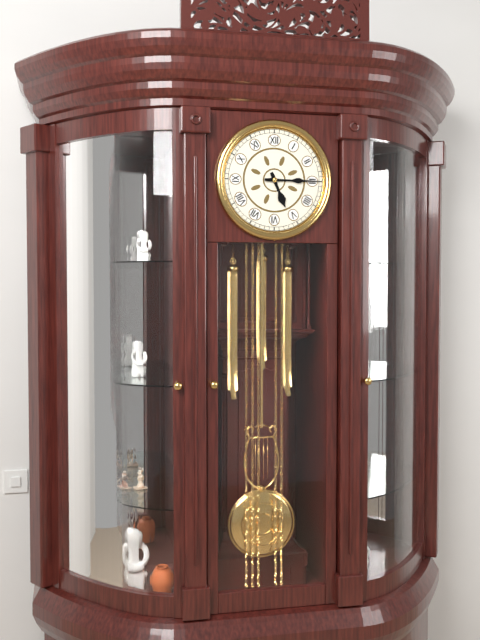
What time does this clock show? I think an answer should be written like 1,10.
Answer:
5,15
